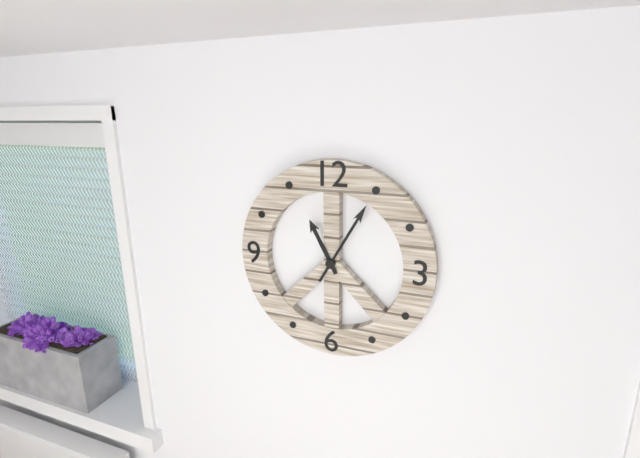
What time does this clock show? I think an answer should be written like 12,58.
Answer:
11,05
